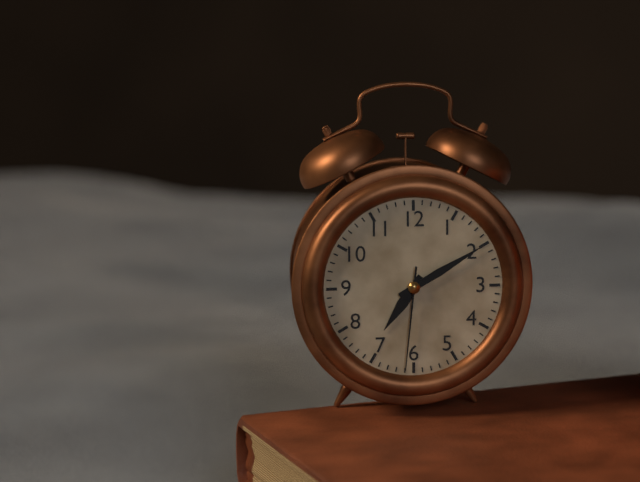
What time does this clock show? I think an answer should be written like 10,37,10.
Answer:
7,10,31
